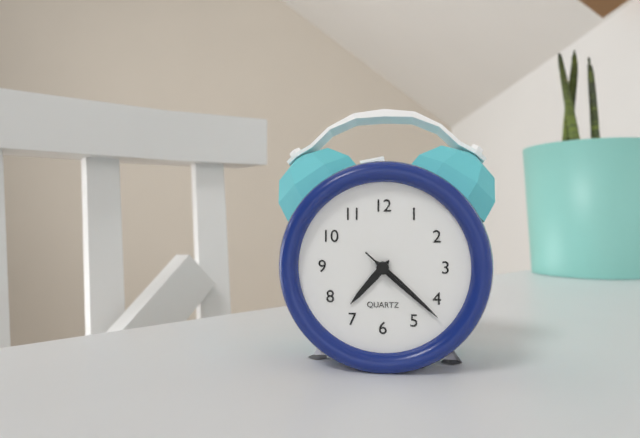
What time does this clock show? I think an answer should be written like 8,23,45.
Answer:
7,22,22
